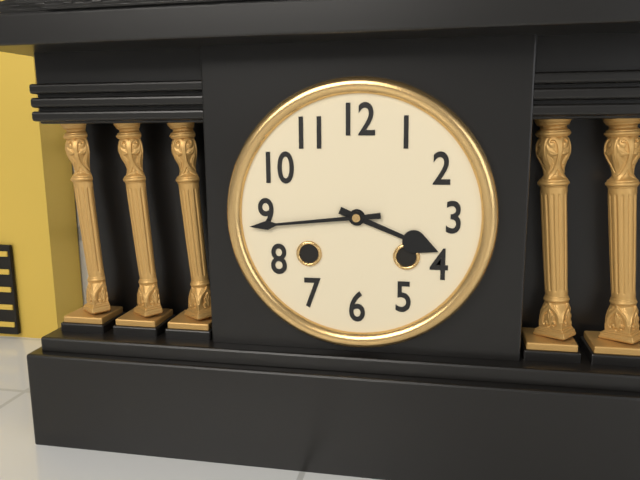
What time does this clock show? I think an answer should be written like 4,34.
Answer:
3,44
